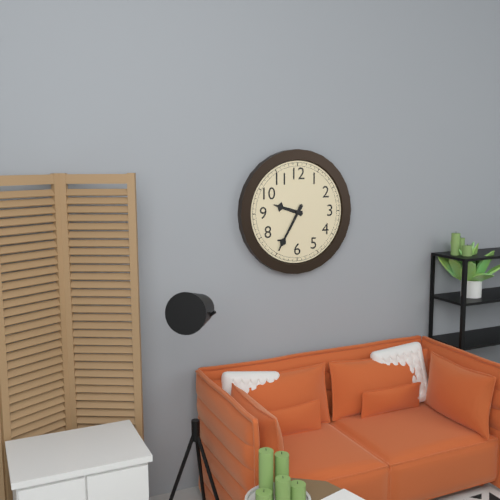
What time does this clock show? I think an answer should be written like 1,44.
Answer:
9,35
